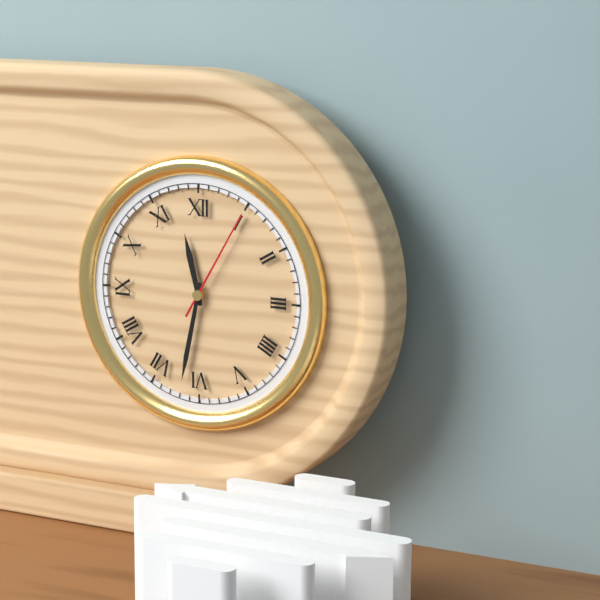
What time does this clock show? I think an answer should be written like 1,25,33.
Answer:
11,32,05
